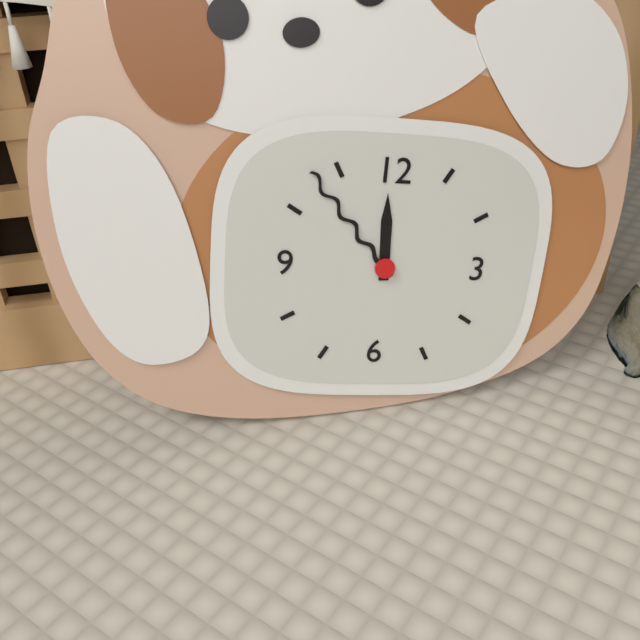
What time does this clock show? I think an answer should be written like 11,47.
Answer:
11,53
